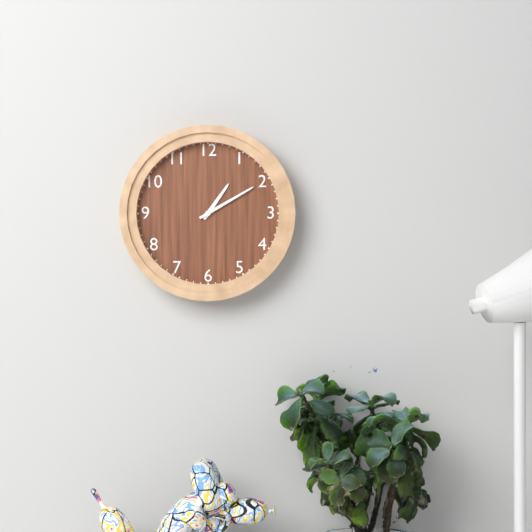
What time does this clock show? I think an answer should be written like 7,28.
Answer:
1,10
